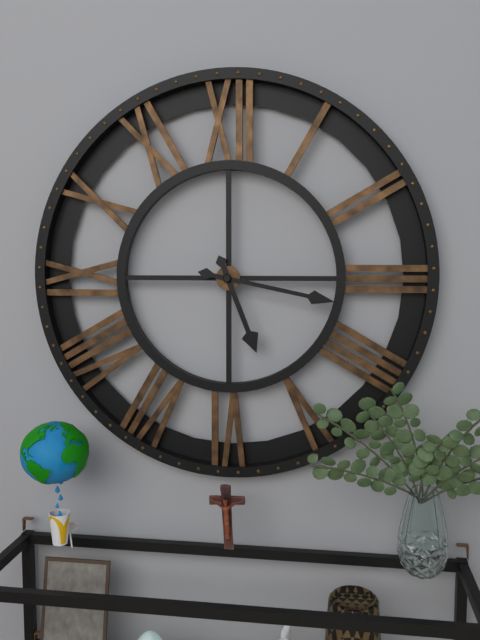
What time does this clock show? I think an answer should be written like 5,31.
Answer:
5,17
